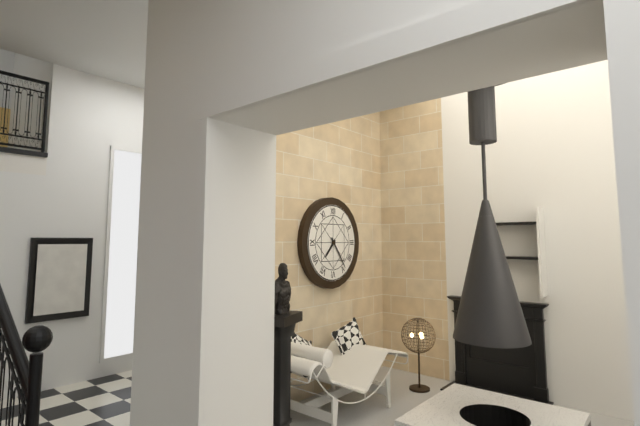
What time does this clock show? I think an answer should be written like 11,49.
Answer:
7,24
